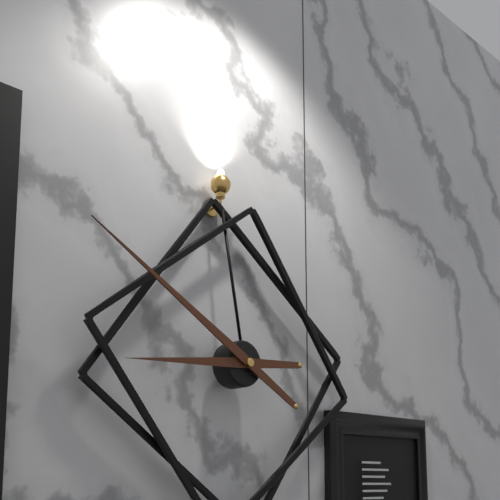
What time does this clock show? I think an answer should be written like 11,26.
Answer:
8,50
